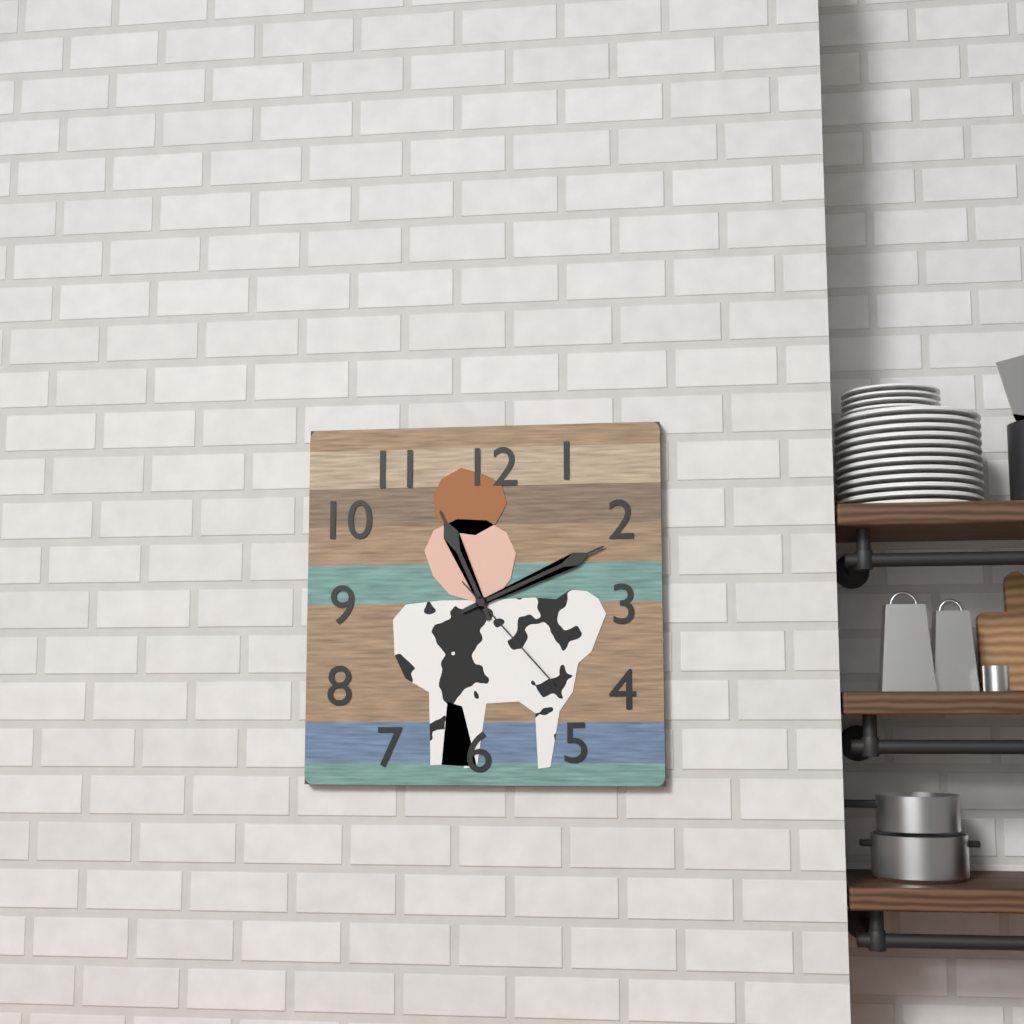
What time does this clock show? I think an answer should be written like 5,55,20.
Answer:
11,11,23
